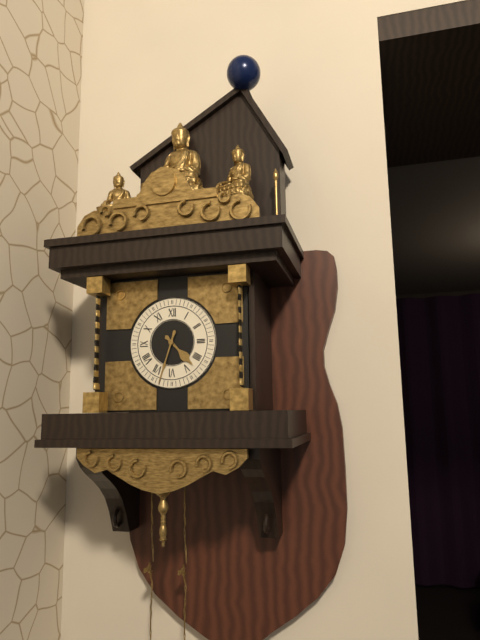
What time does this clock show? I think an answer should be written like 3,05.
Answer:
4,33
